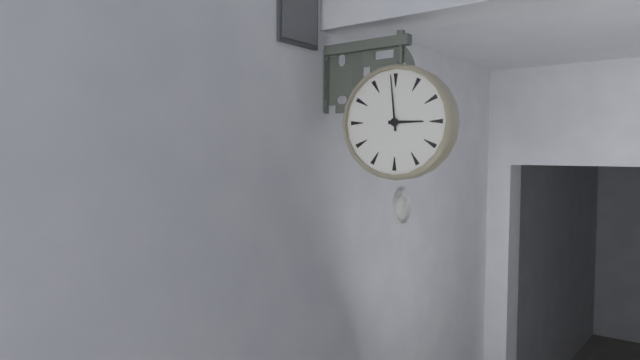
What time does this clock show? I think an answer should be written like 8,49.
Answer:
2,59
